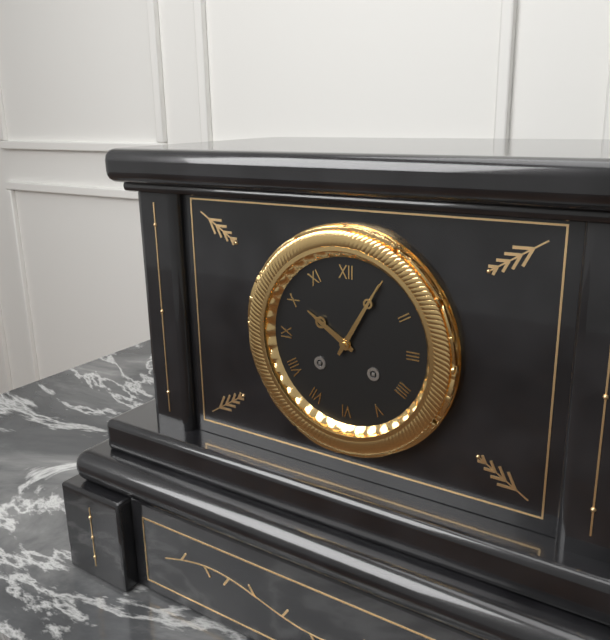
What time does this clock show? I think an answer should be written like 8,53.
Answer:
10,05
